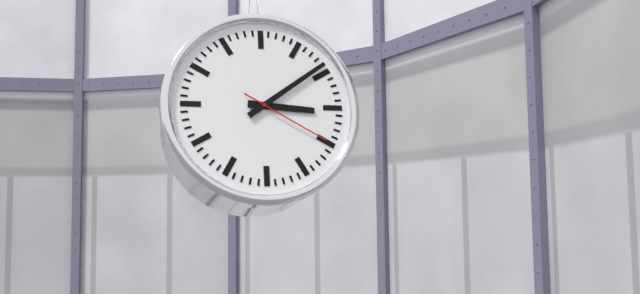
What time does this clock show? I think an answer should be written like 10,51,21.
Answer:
3,09,20
